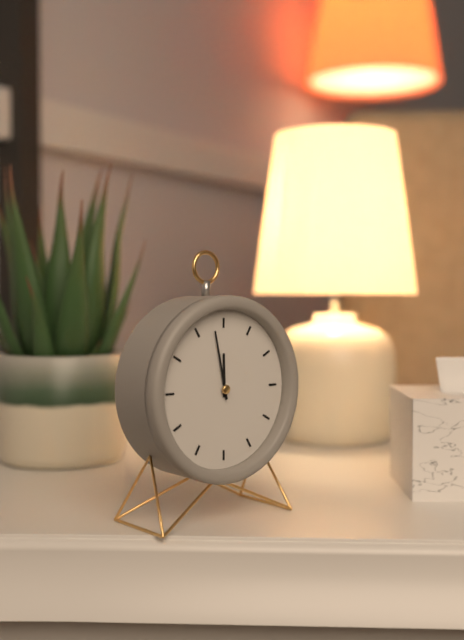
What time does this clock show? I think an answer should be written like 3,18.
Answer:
11,58
